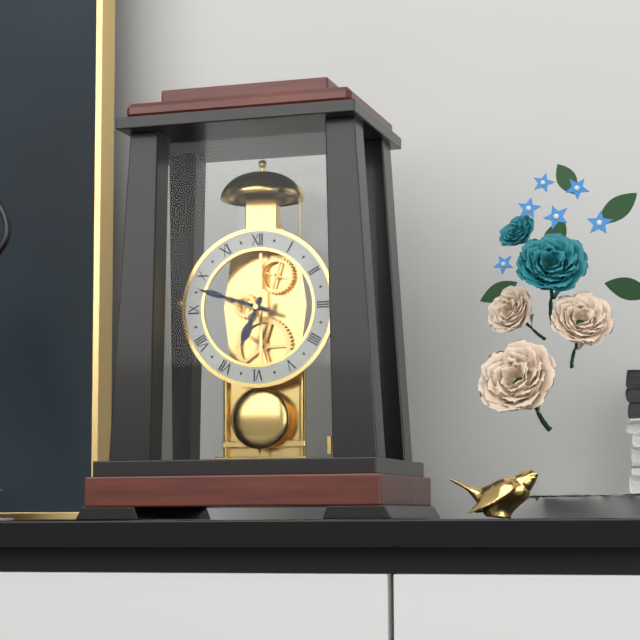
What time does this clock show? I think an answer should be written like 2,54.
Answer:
6,48
